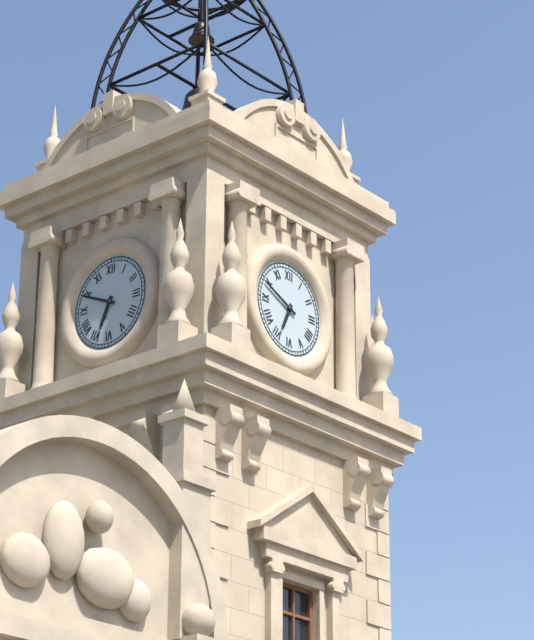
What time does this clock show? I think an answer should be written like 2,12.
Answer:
6,49
